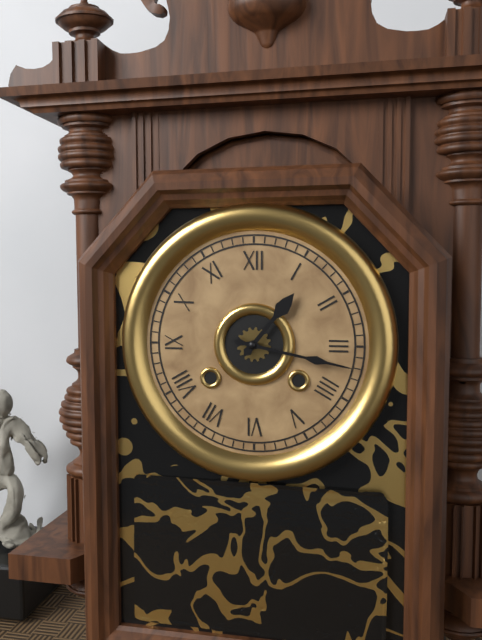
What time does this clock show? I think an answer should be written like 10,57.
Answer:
1,17
